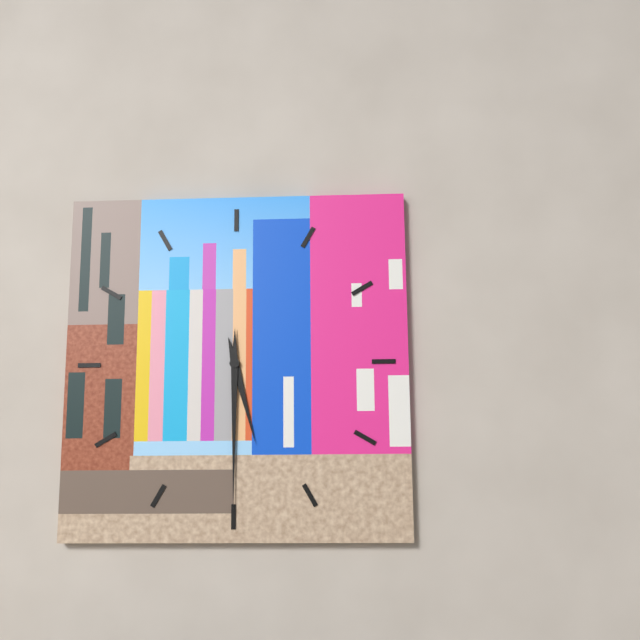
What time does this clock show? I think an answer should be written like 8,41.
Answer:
5,30
